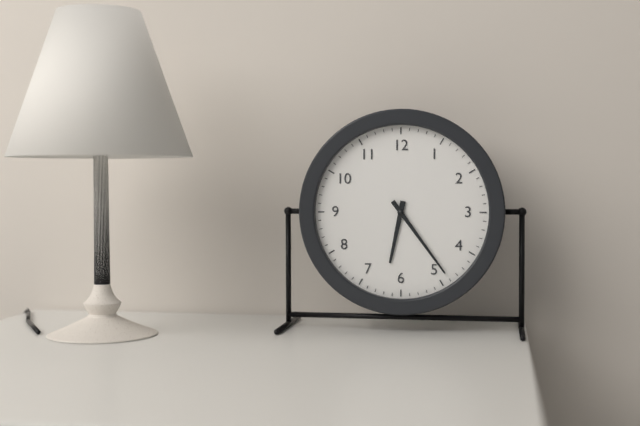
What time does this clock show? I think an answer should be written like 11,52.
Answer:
6,24
